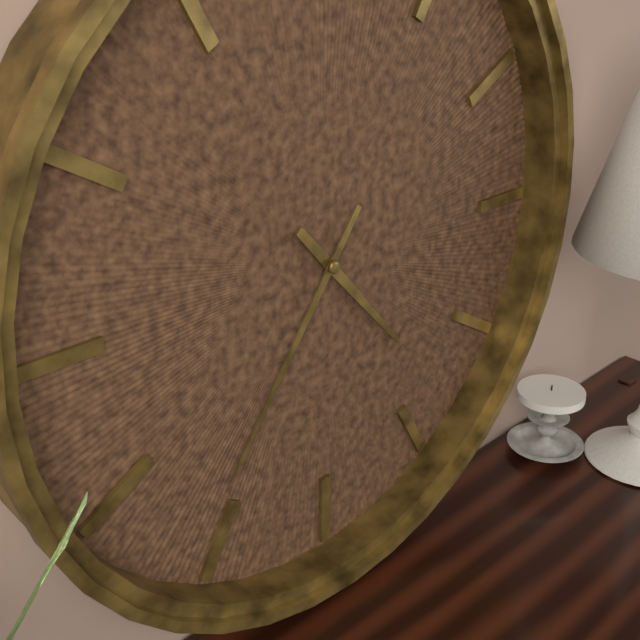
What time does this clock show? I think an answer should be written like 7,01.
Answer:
4,36
